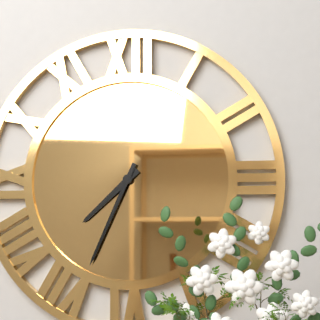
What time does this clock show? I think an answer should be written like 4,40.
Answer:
7,34
